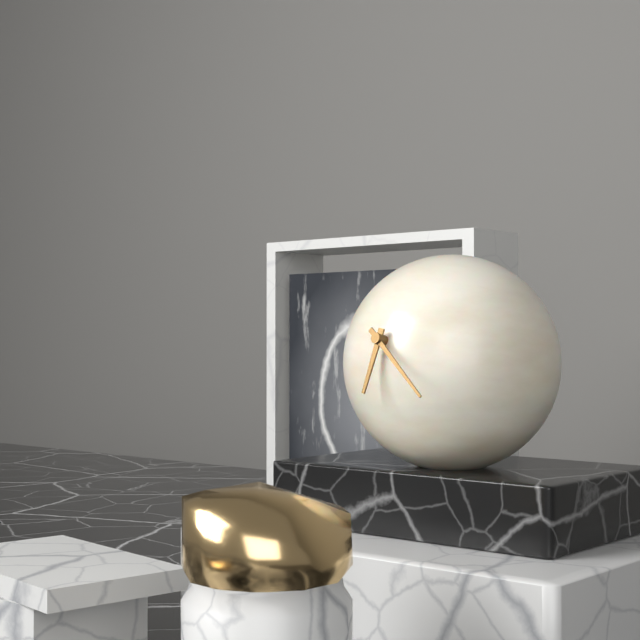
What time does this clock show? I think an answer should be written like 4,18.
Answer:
6,22
